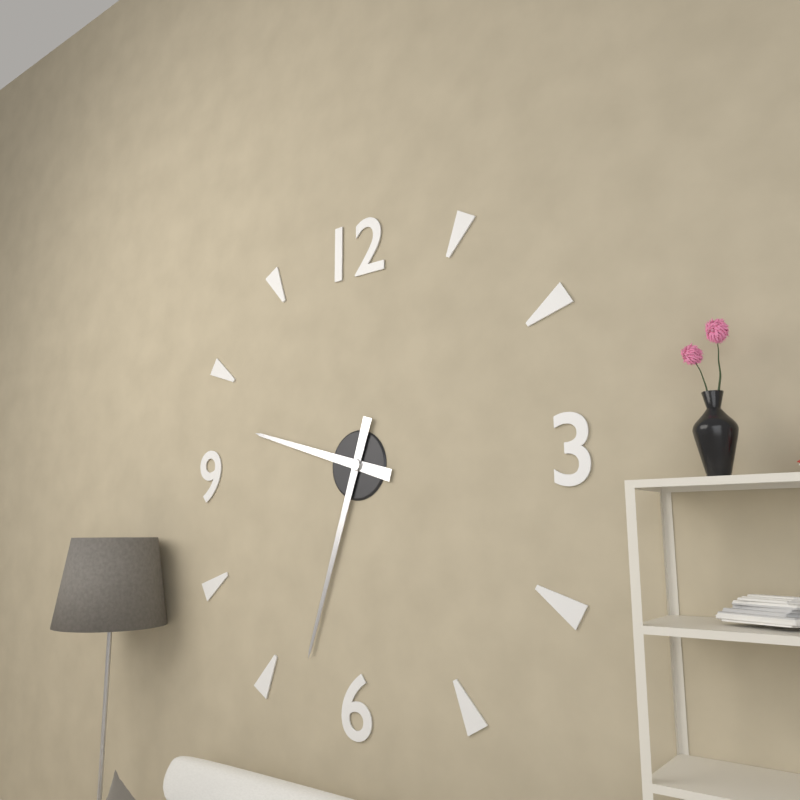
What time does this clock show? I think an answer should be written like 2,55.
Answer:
9,33
